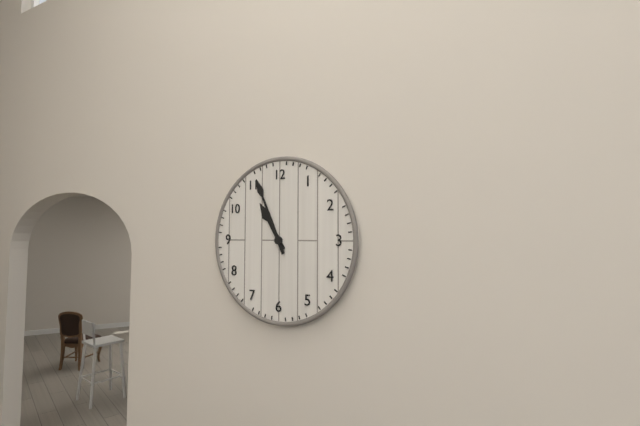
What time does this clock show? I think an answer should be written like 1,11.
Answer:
10,56
